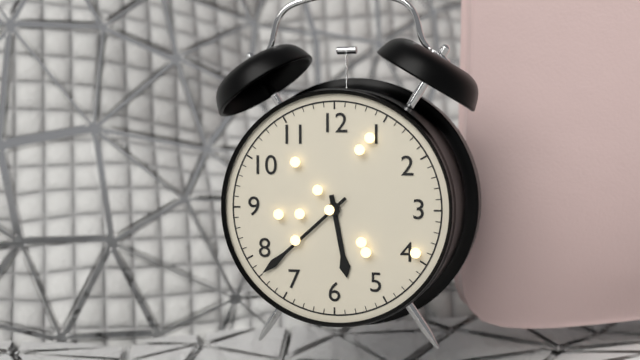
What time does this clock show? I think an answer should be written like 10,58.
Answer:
5,38
